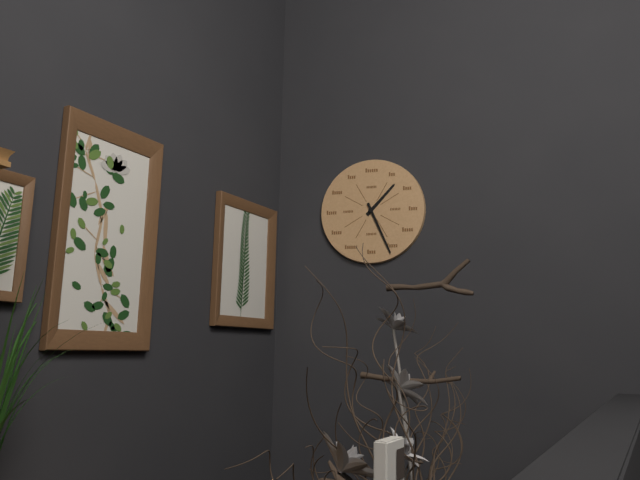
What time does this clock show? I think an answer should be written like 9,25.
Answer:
1,26
